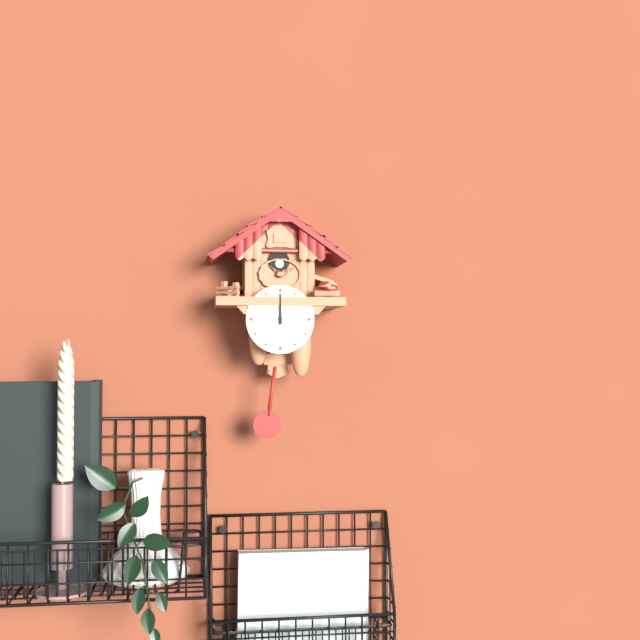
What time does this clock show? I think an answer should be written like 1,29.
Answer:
12,00
